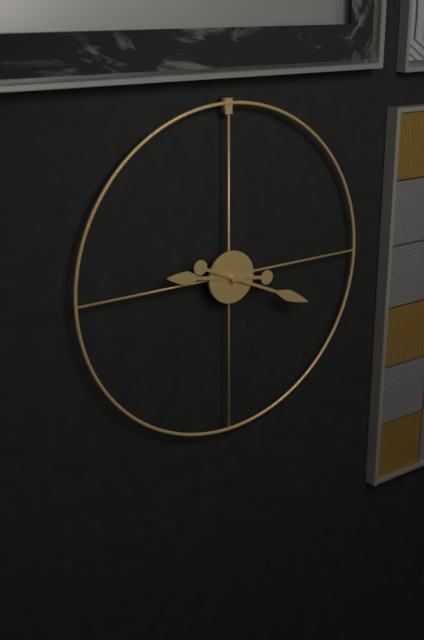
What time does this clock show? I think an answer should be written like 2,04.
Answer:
9,19
